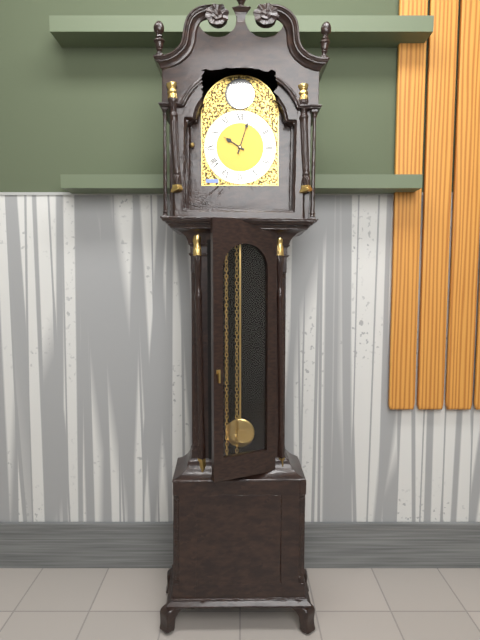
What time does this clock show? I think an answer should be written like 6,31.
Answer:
10,03
